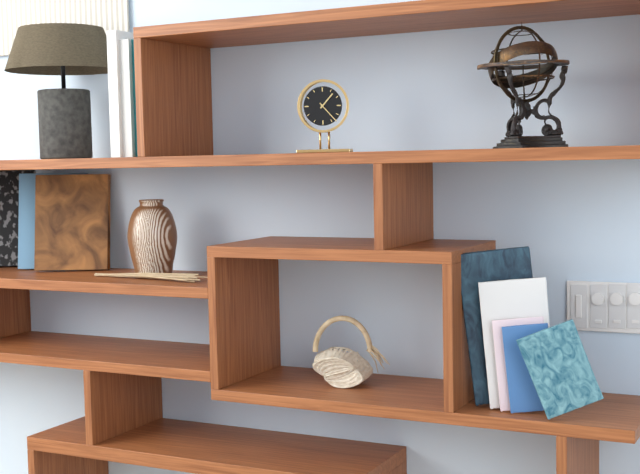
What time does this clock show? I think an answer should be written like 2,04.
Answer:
1,23
